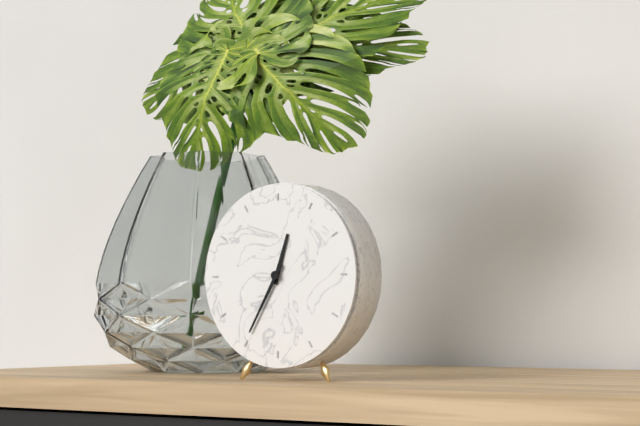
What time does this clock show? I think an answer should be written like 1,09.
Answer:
12,35
